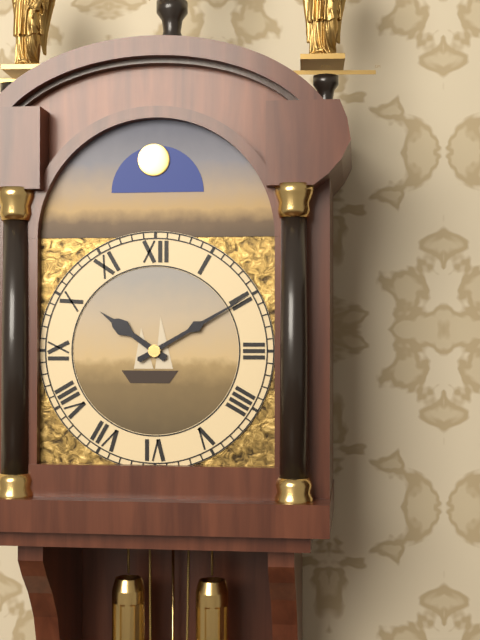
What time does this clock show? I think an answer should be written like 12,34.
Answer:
10,10
